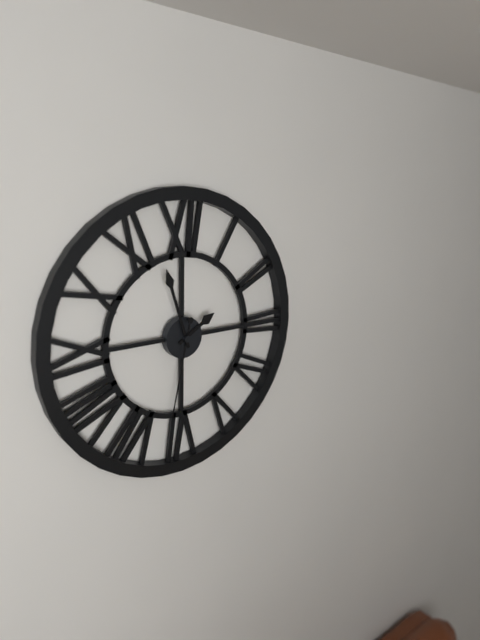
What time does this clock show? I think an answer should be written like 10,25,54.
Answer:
1,57,32
